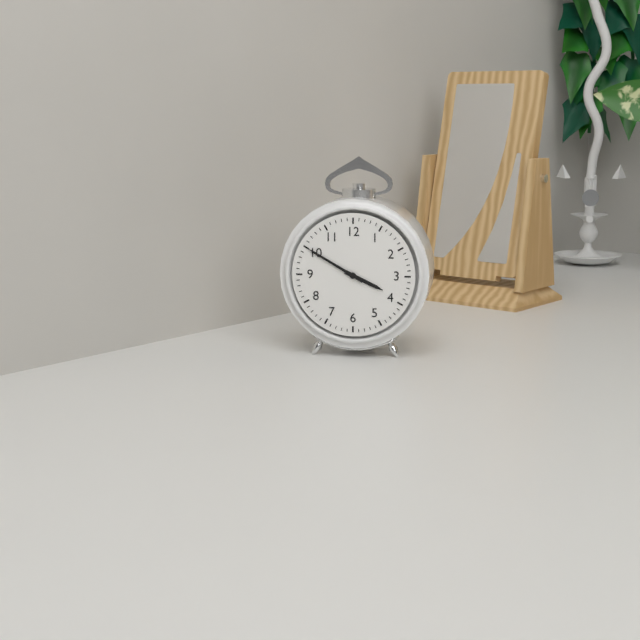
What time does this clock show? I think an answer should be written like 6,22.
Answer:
3,50
